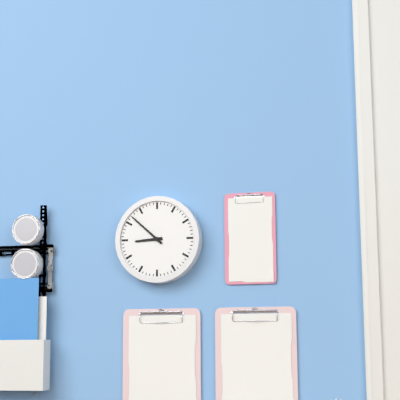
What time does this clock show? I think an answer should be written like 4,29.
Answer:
8,52
